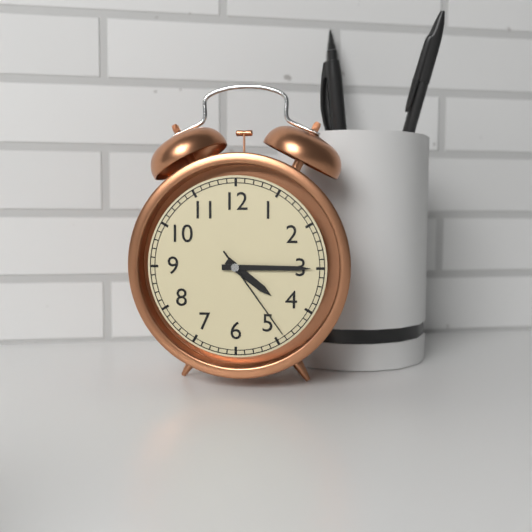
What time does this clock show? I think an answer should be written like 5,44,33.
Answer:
4,15,24
